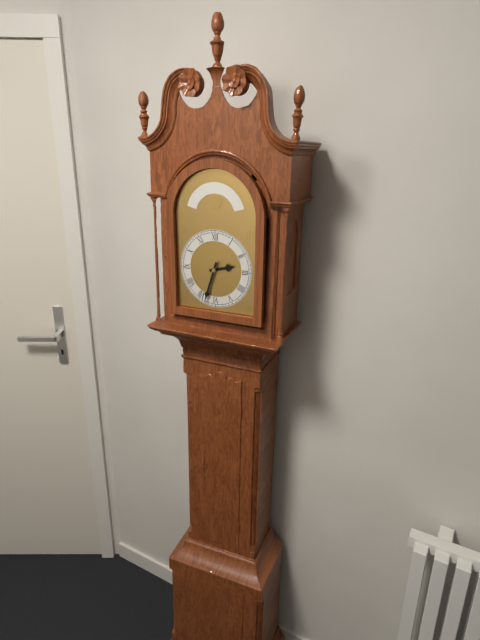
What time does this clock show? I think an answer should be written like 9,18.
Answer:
2,33
